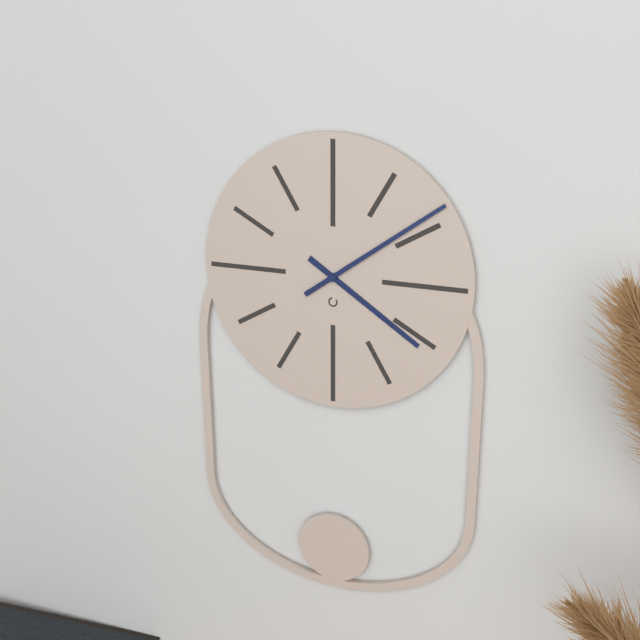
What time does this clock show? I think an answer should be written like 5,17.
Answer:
4,09
